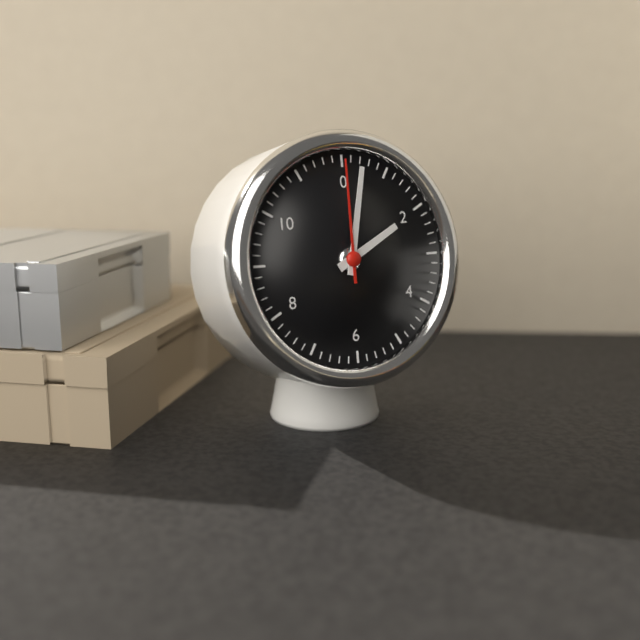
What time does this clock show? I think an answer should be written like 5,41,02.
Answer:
2,02,00
